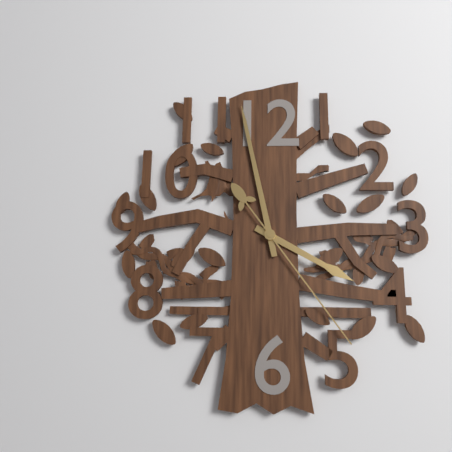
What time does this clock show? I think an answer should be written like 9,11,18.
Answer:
3,58,24
